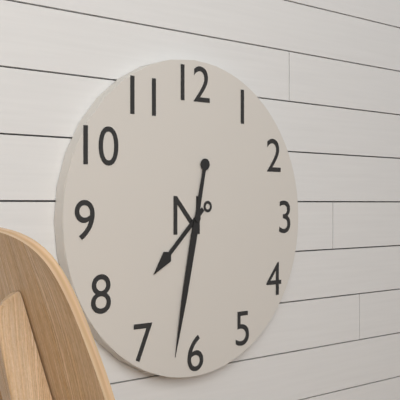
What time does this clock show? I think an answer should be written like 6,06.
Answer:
7,32
